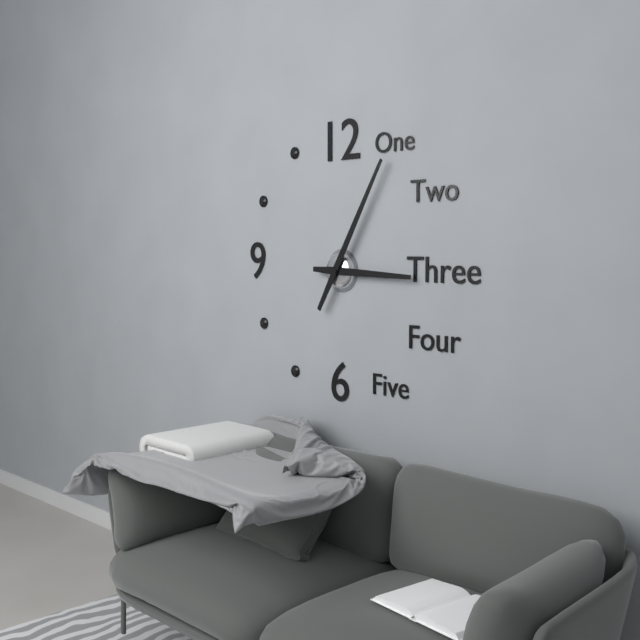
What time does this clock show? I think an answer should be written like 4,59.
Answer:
3,05
